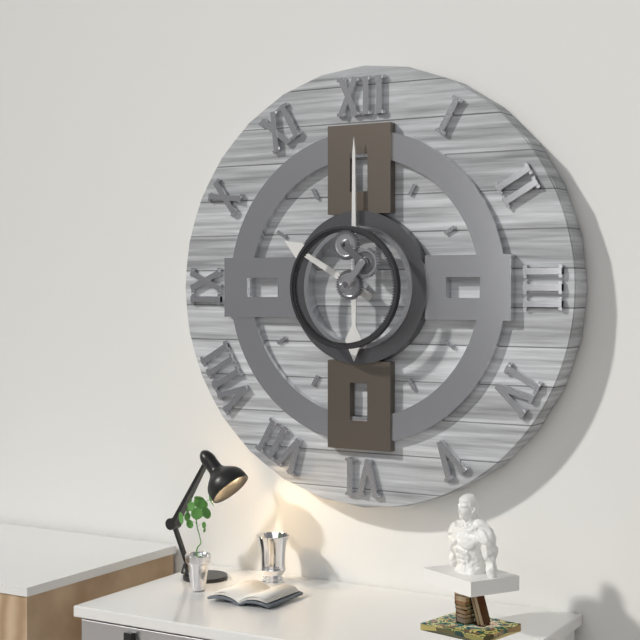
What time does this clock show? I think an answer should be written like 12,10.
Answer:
10,00
